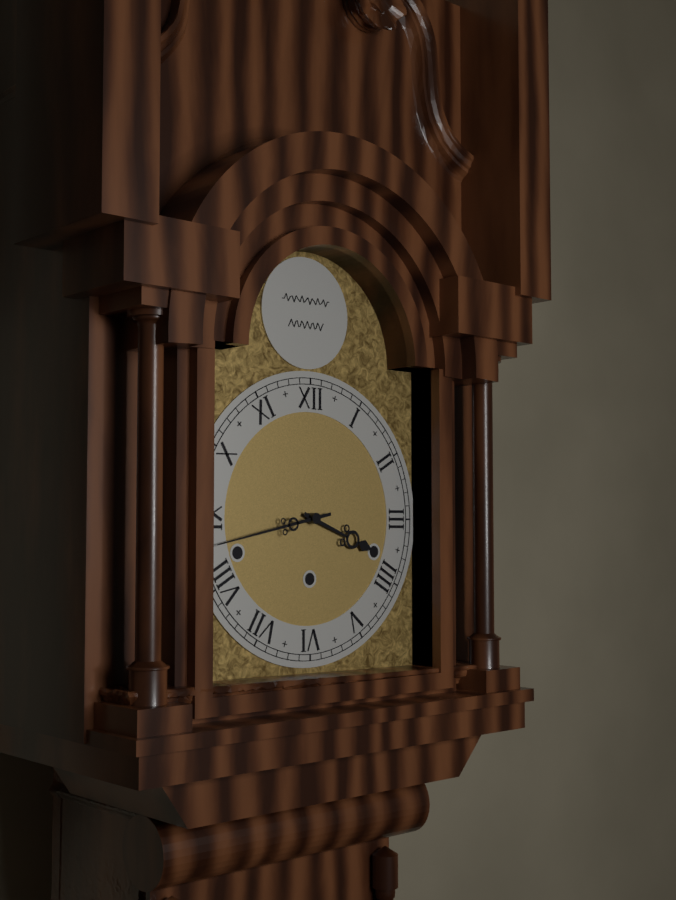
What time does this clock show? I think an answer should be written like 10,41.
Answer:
3,43
